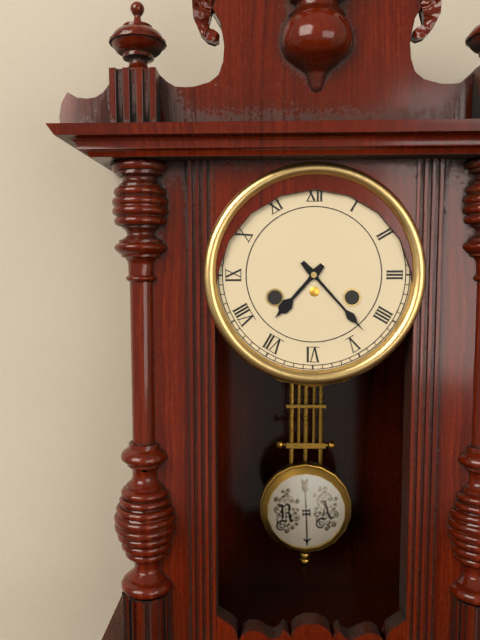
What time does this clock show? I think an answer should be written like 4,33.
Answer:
7,23
